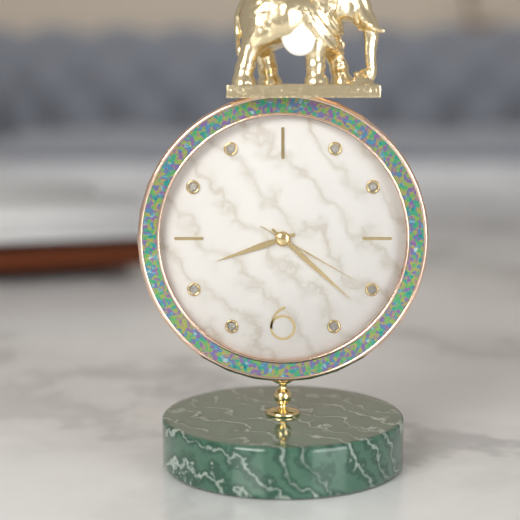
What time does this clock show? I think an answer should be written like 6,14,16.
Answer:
8,22,20
